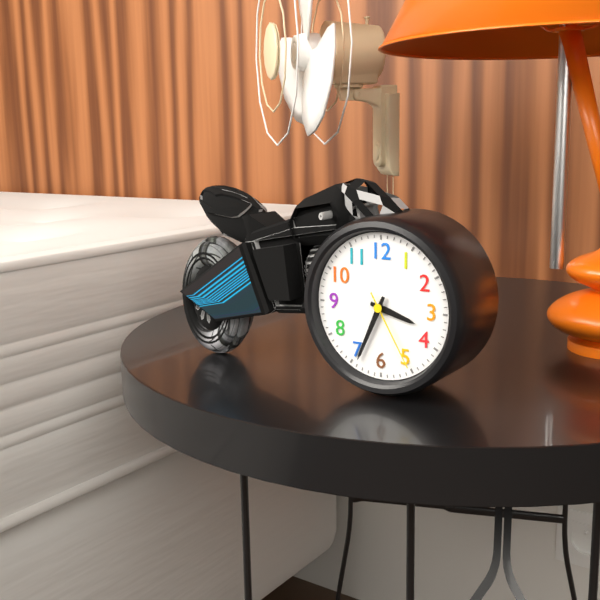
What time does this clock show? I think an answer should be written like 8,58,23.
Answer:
3,34,25
